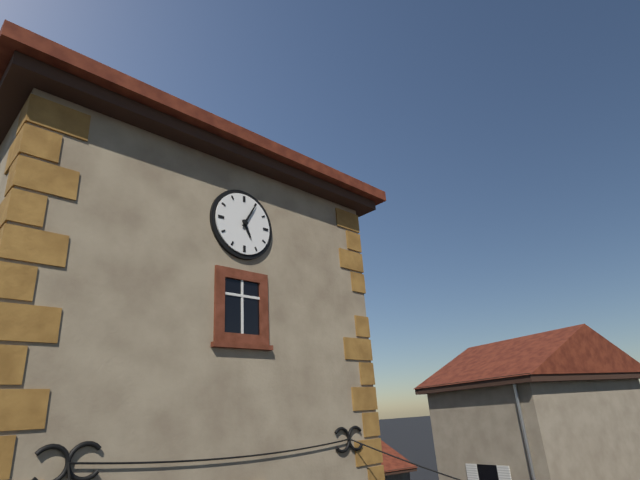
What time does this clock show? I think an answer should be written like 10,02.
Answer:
5,05
